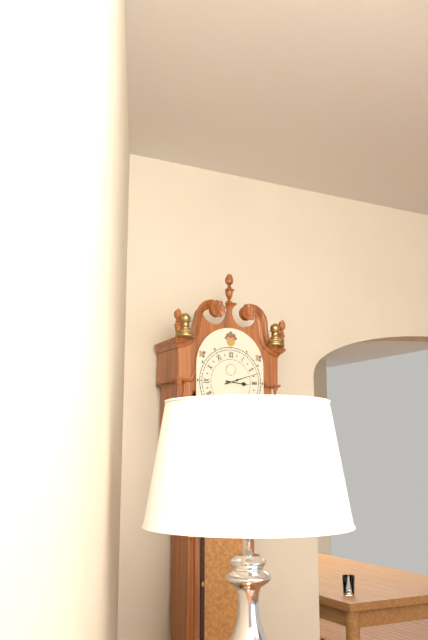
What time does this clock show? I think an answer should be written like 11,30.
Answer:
3,12
